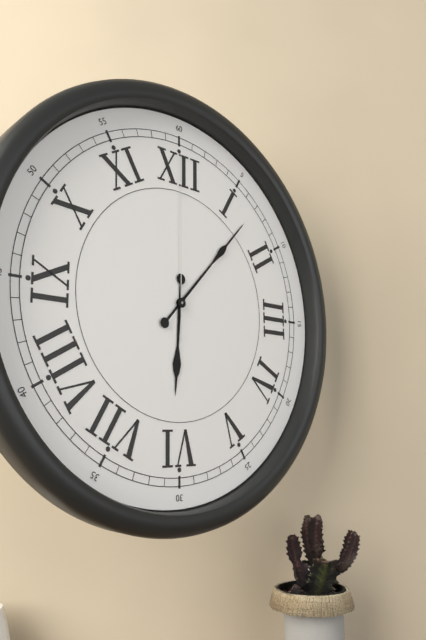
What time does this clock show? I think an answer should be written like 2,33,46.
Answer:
6,07,00
